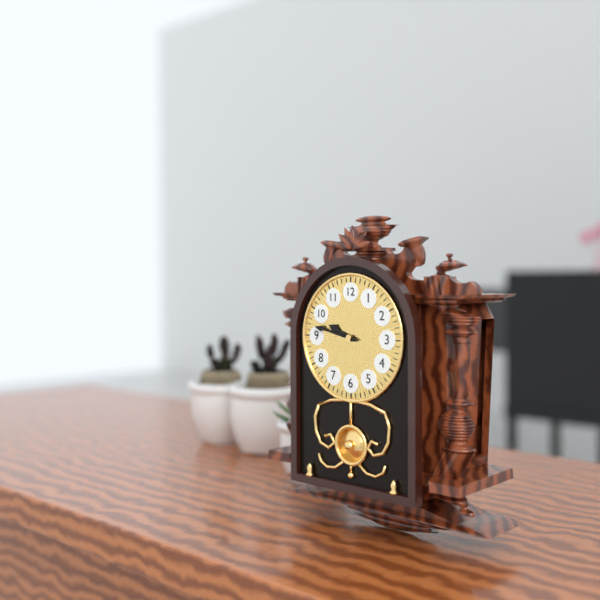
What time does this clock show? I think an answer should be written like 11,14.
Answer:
9,47
